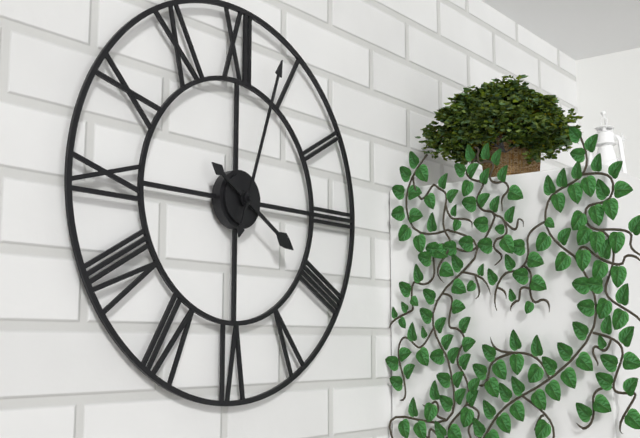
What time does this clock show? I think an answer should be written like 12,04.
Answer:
4,03
